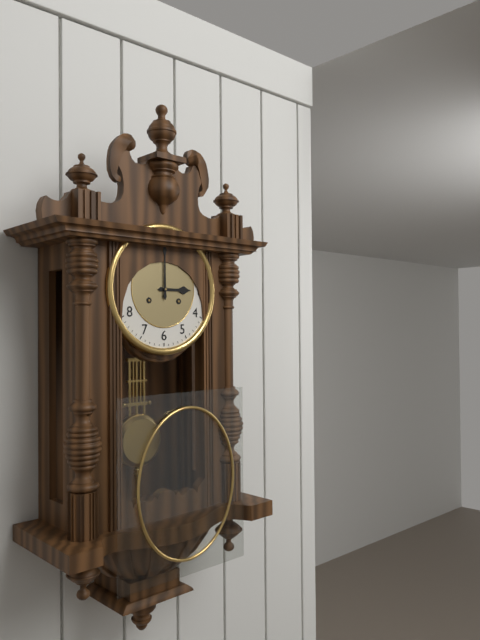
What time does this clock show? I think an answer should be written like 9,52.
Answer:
3,00
